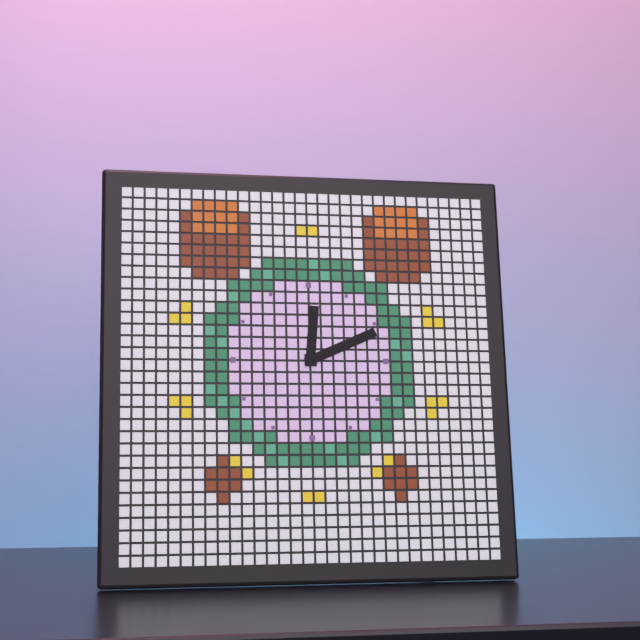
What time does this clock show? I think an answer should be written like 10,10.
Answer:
12,11
